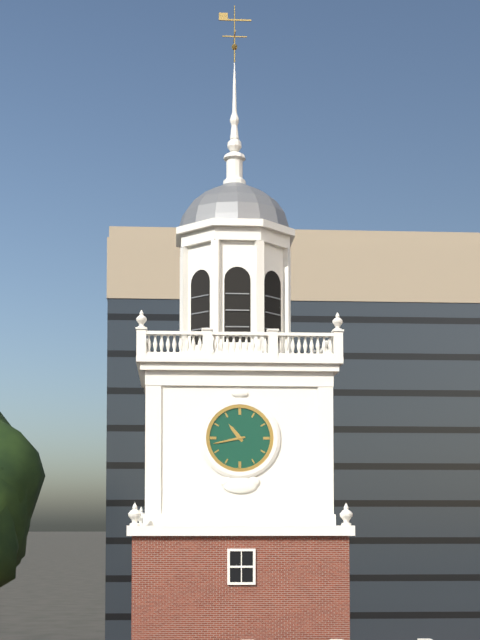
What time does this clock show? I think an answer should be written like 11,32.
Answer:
10,43
